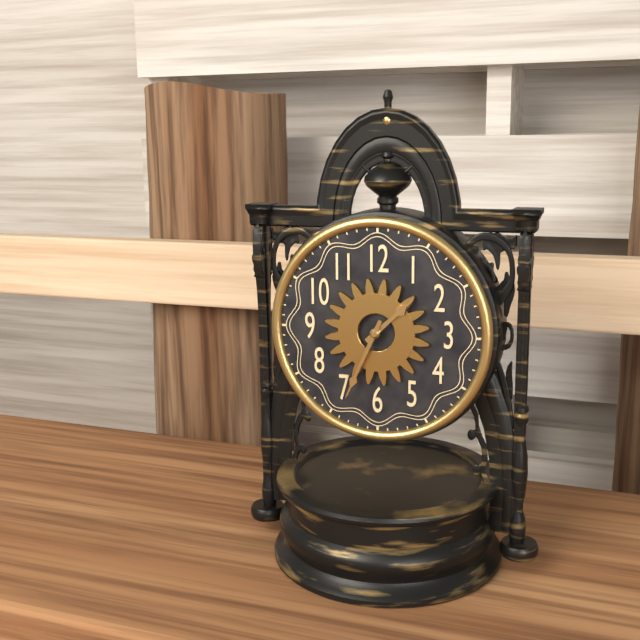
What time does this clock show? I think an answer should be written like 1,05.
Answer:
1,34
